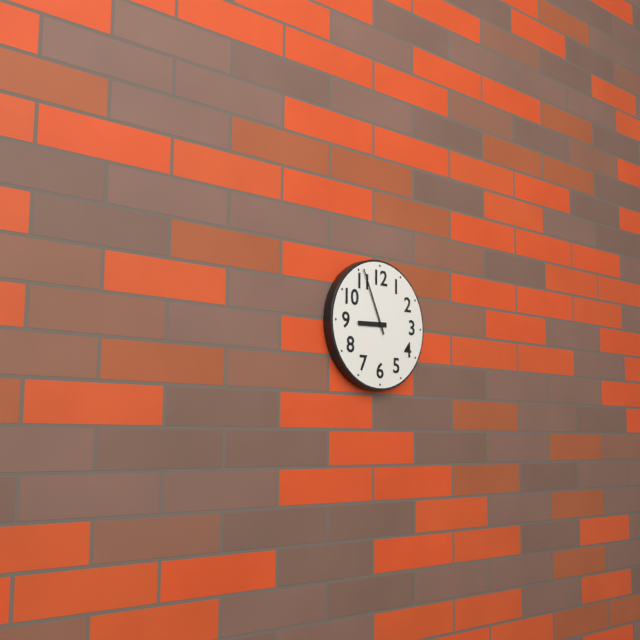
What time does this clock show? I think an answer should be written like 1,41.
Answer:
8,56
